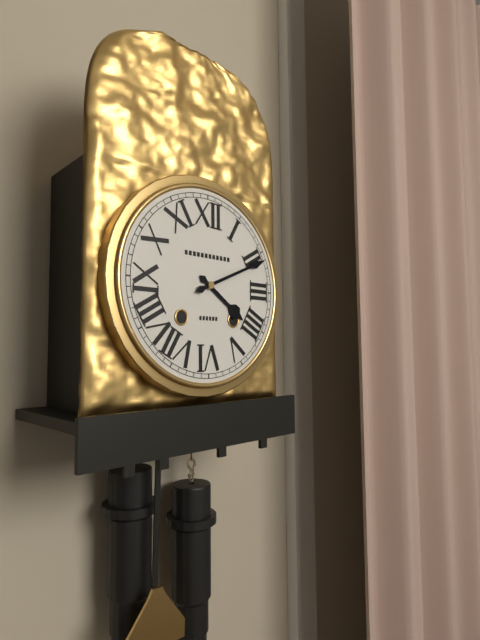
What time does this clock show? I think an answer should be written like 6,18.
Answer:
4,11
